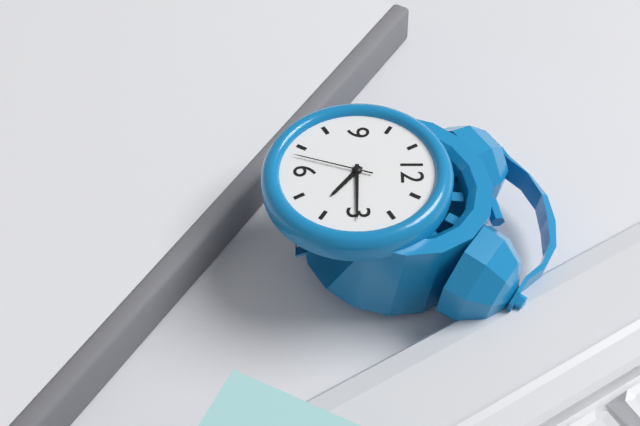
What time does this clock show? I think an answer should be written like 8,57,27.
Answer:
4,15,33
